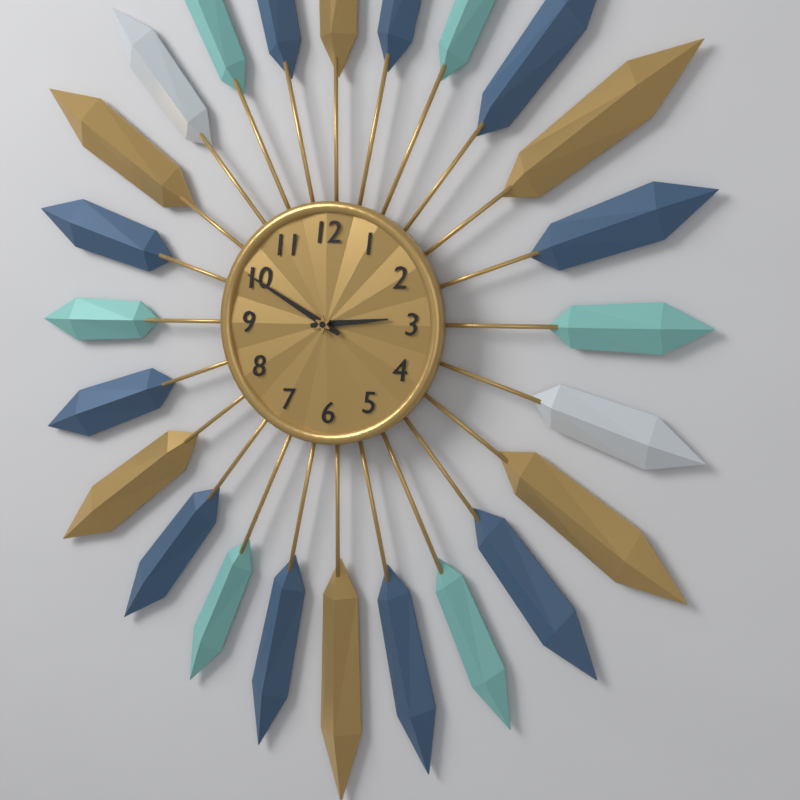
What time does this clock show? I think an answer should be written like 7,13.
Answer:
2,50
